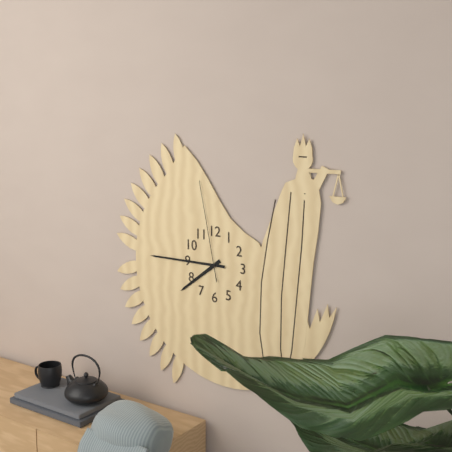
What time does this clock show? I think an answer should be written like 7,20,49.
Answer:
7,45,58
